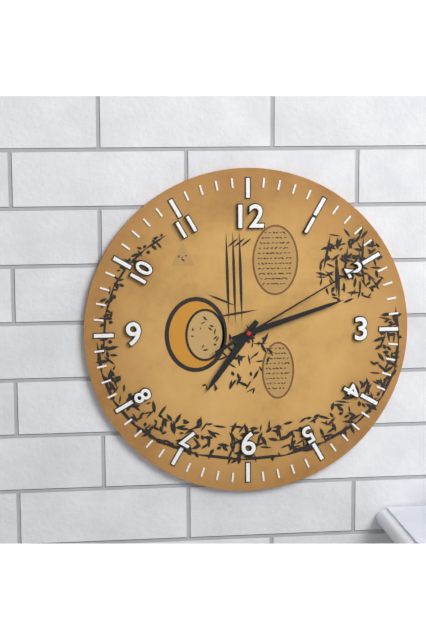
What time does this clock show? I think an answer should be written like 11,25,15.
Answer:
7,12,10
